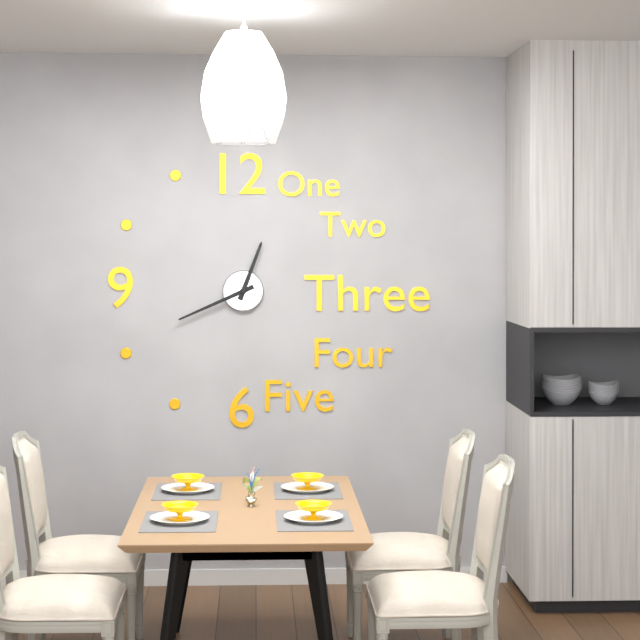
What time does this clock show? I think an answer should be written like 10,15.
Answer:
12,41
